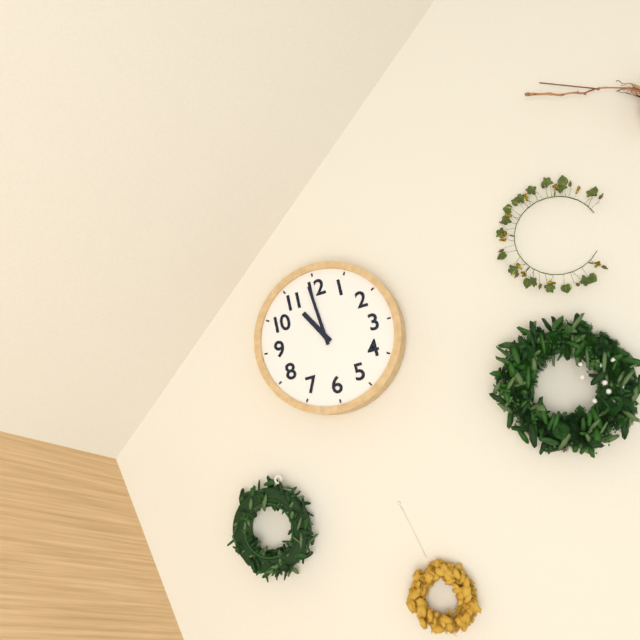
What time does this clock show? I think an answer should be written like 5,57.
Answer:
10,59
